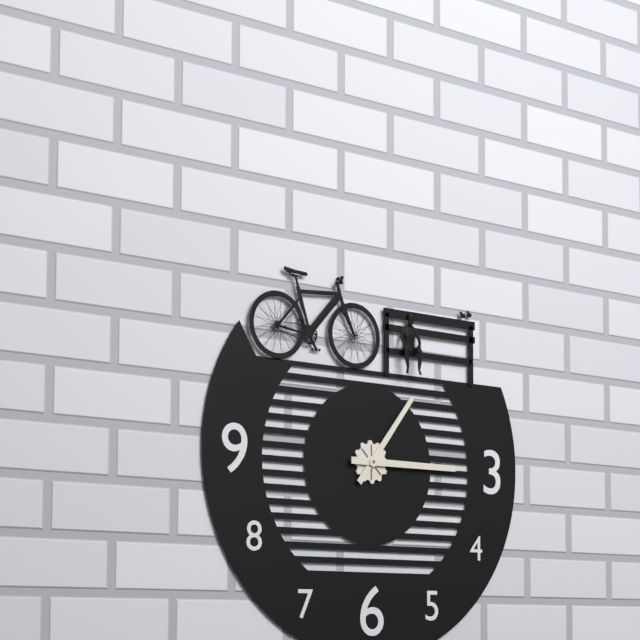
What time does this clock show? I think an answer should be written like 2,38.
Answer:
1,15
